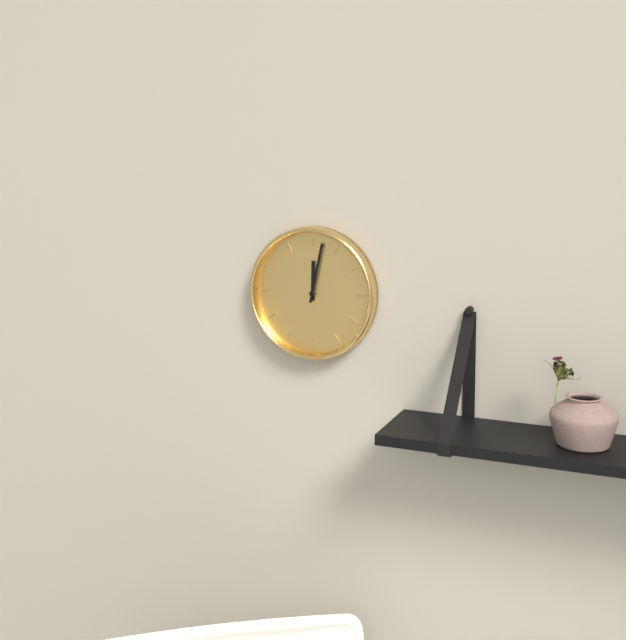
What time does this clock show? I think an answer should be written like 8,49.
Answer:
12,02
